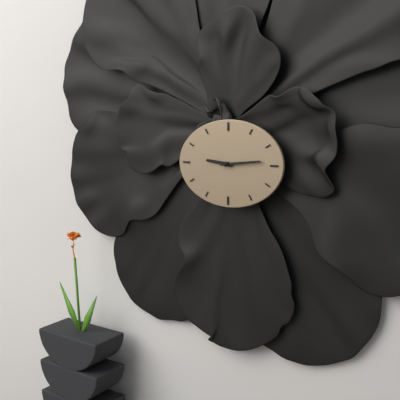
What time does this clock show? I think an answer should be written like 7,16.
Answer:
9,14
